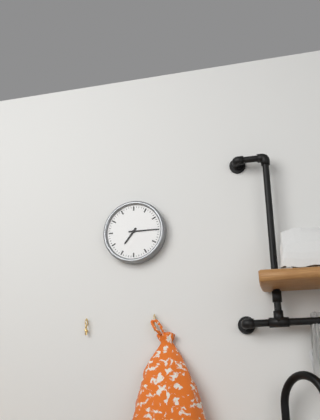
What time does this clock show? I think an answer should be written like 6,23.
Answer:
7,15
